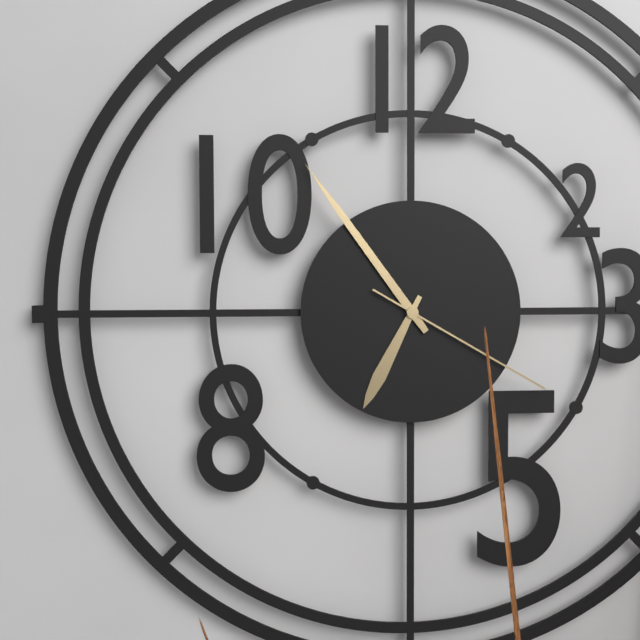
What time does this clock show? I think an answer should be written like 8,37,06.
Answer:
6,54,20
